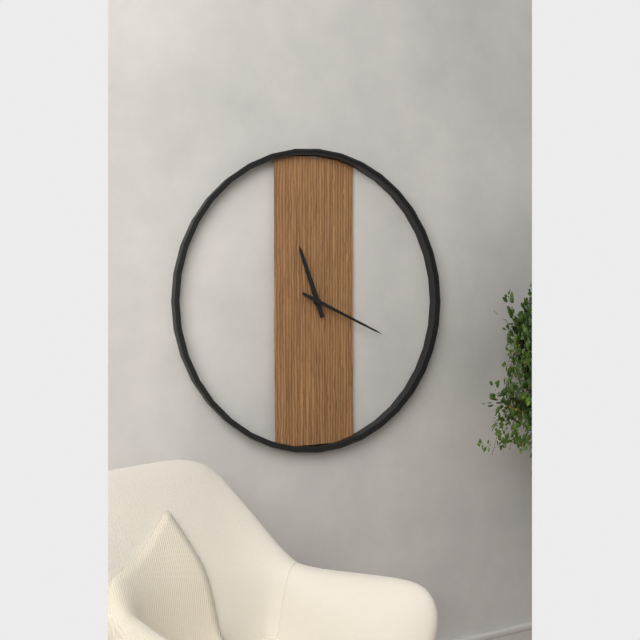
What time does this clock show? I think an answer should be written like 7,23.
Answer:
11,19
